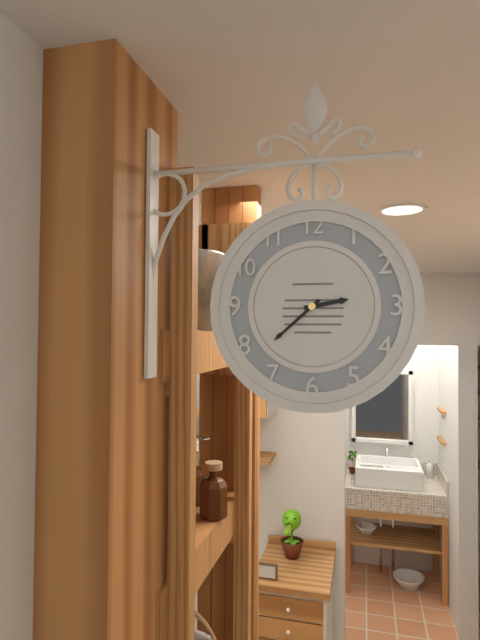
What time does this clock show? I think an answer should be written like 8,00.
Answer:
2,38
